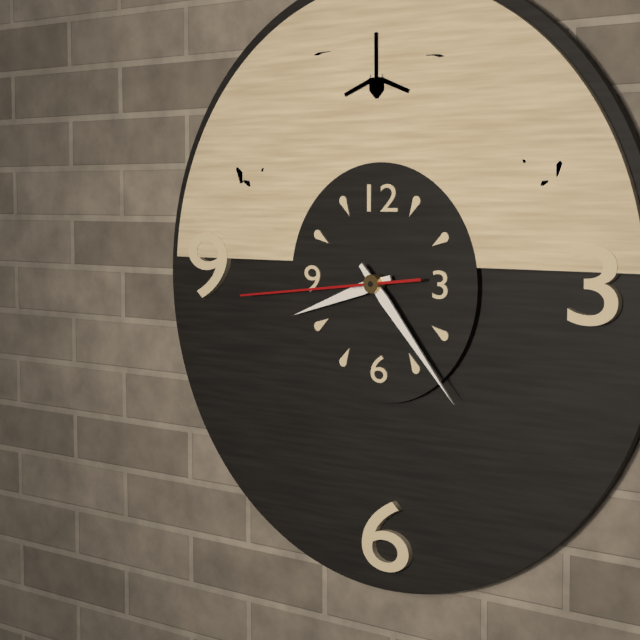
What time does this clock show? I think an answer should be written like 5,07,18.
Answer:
8,23,44
